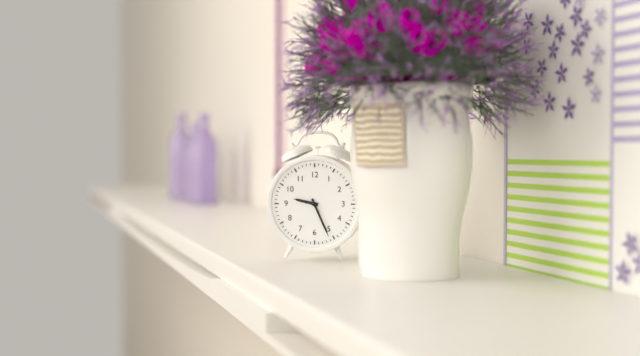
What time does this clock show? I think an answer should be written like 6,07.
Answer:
9,26
